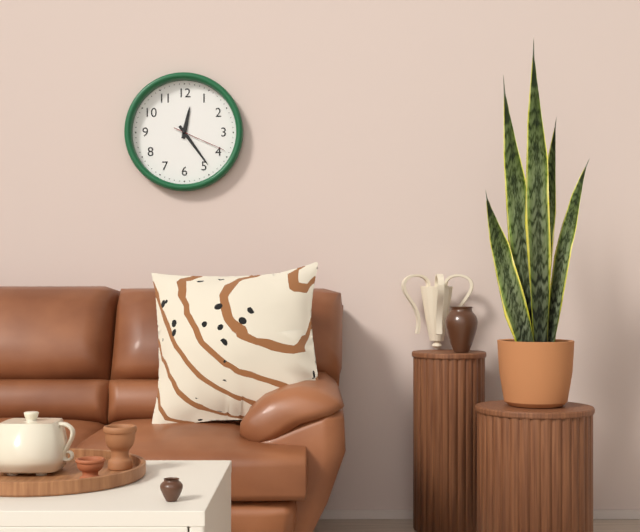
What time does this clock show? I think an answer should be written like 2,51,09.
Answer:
12,24,19
